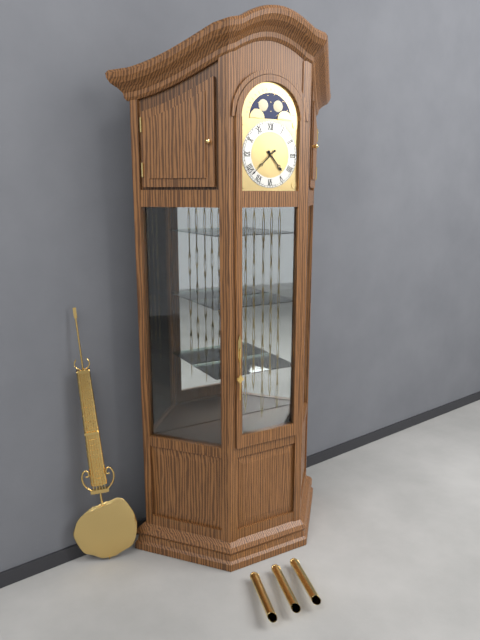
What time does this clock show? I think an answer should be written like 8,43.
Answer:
4,38
